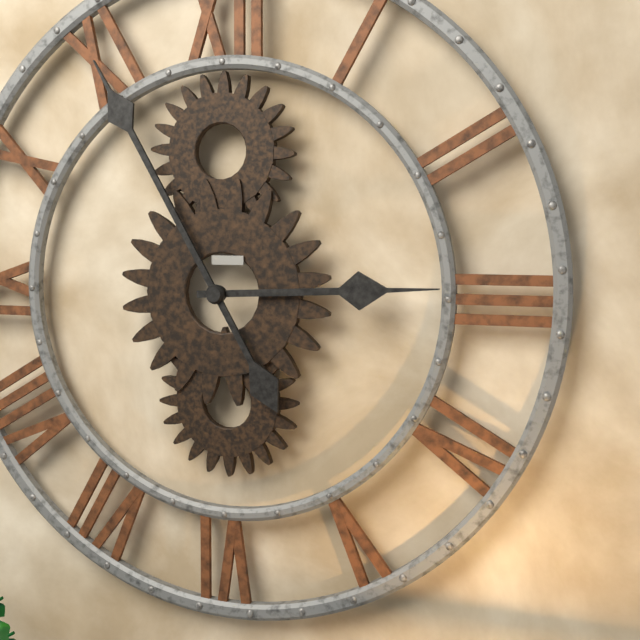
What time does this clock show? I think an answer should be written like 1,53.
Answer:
2,55
